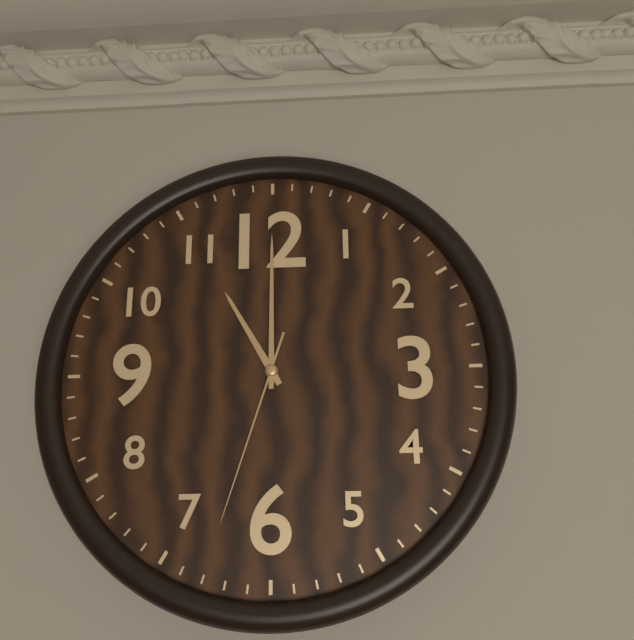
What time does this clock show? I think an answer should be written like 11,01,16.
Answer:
11,00,33
